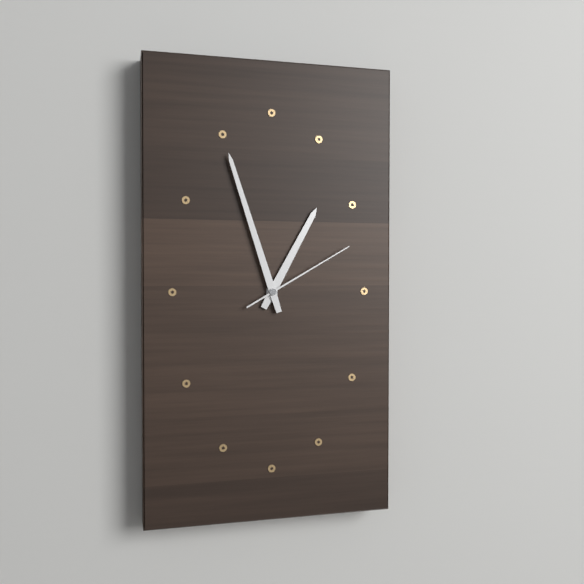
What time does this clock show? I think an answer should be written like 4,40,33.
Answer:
12,57,10
